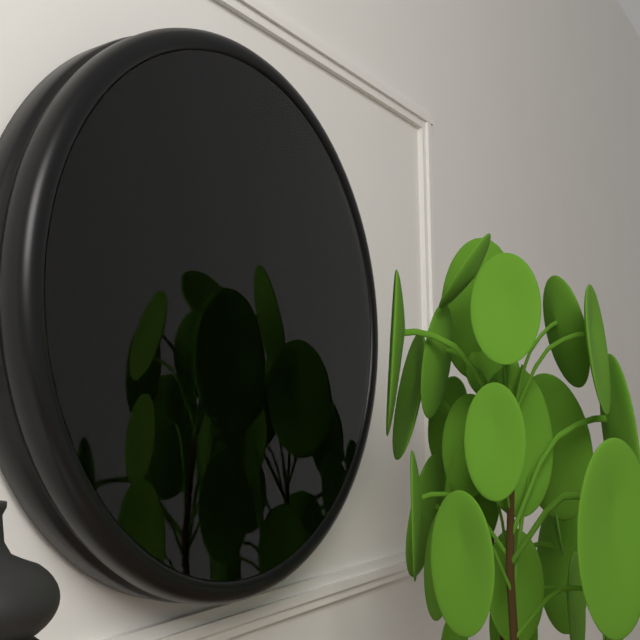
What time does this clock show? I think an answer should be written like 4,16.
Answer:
6,24
